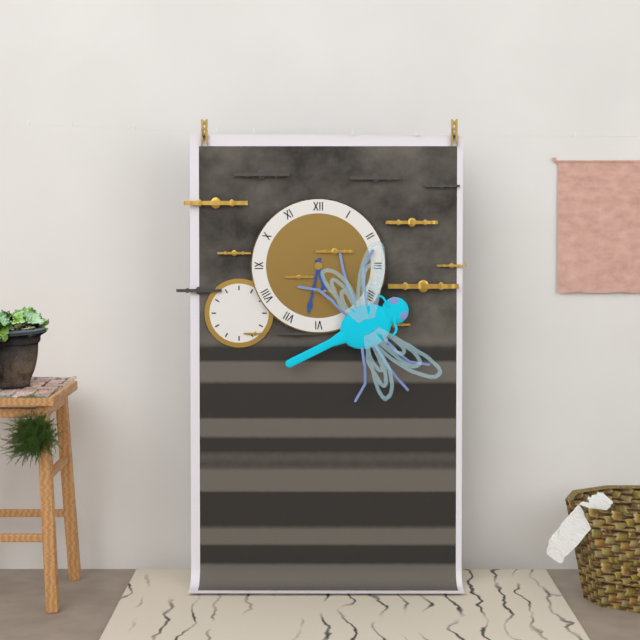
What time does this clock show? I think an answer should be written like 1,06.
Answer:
5,32
